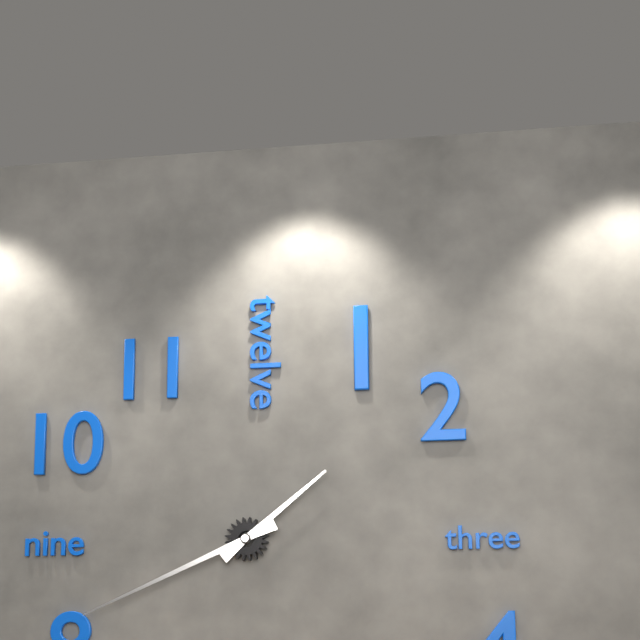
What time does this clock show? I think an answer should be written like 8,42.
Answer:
1,41
